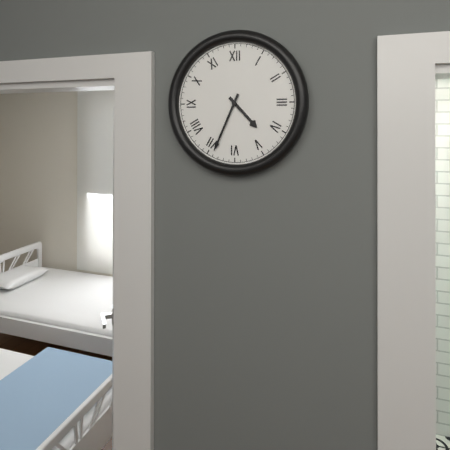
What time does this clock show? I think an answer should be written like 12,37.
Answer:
4,34
